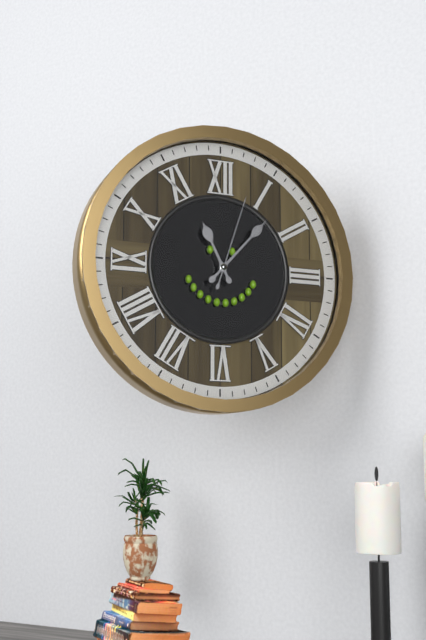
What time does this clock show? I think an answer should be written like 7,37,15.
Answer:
11,07,03
